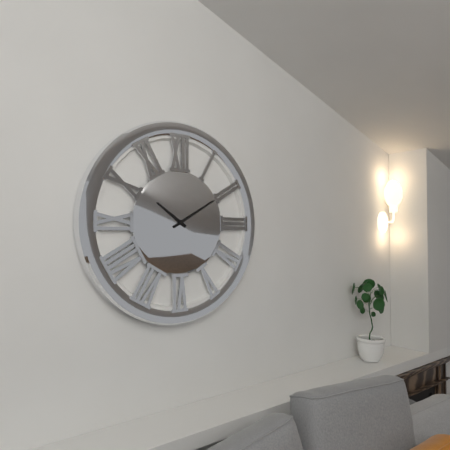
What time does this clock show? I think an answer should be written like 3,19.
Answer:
10,10
